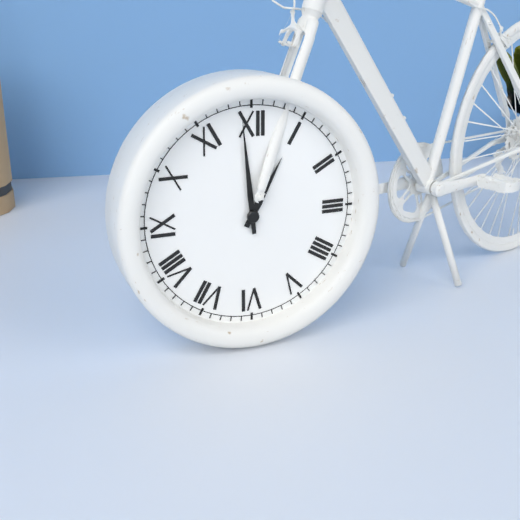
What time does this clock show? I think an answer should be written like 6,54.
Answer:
12,59
